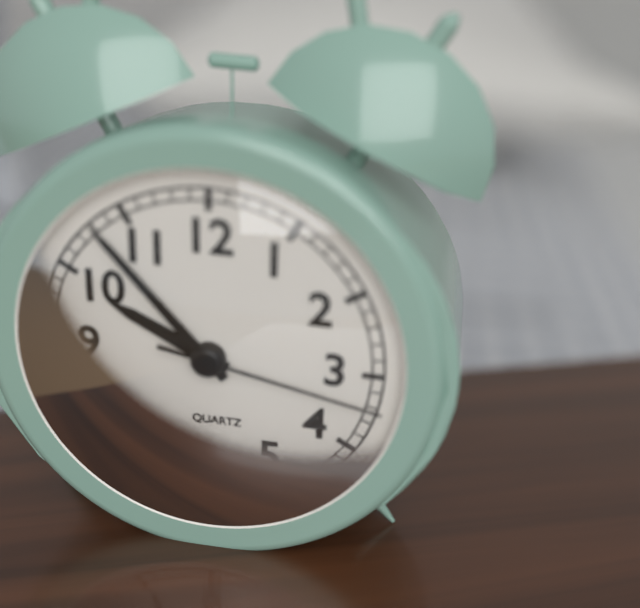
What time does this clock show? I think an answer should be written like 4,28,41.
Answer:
9,53,17
